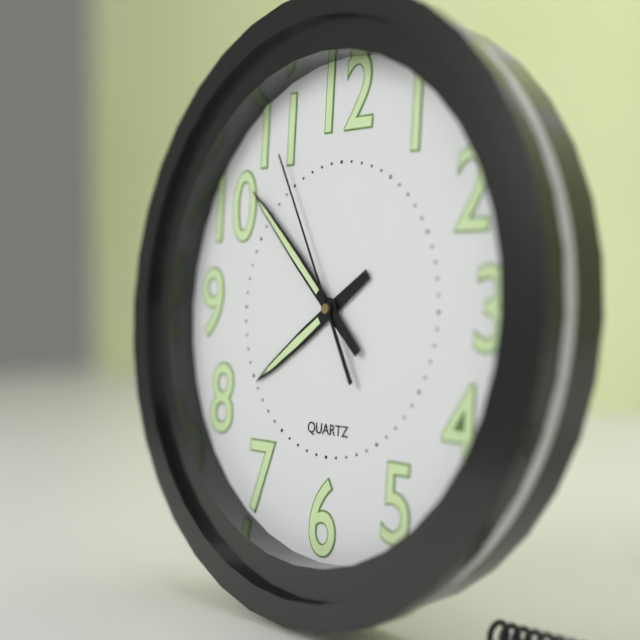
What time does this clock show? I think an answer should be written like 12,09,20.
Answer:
7,52,55
